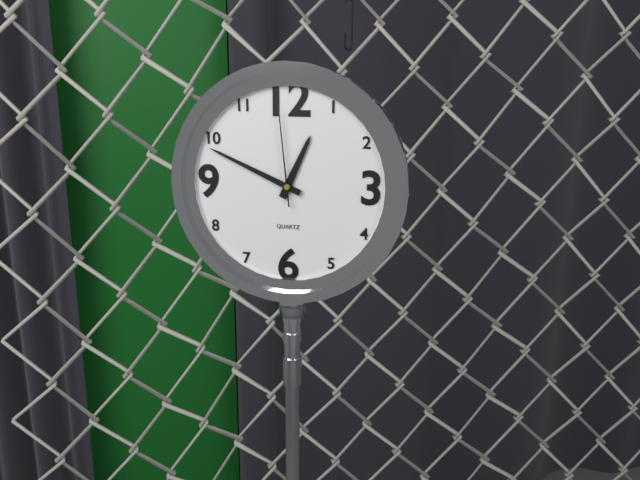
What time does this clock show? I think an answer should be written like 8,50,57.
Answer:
12,49,59
